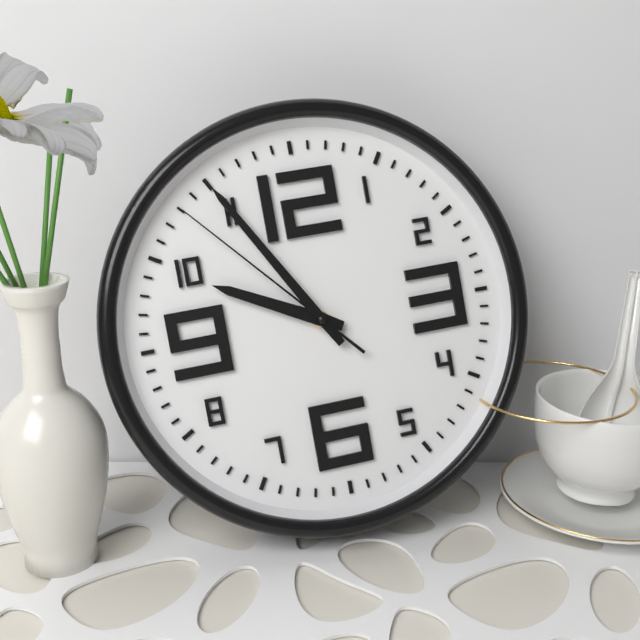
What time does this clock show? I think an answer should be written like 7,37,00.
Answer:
9,55,53
